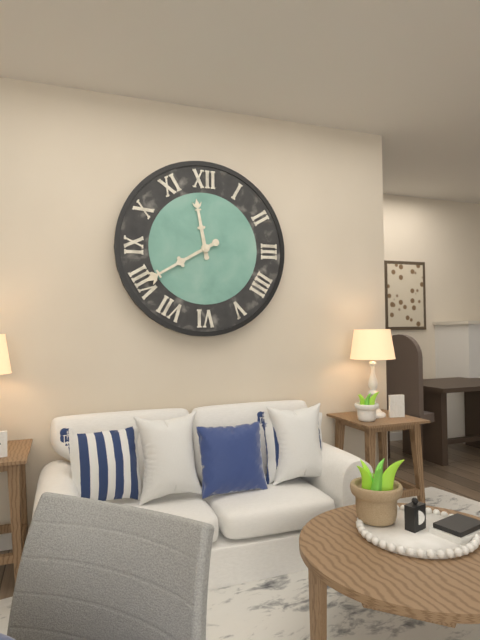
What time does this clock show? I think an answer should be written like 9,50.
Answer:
11,40
